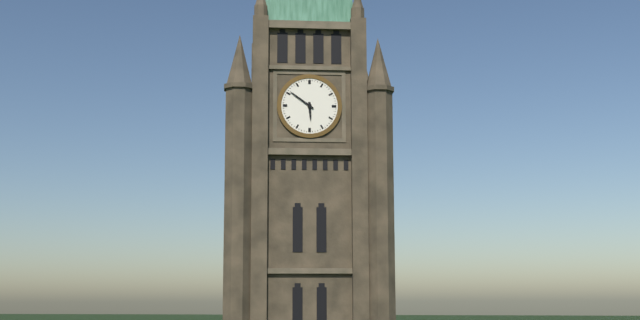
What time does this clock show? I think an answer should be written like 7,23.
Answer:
5,51
